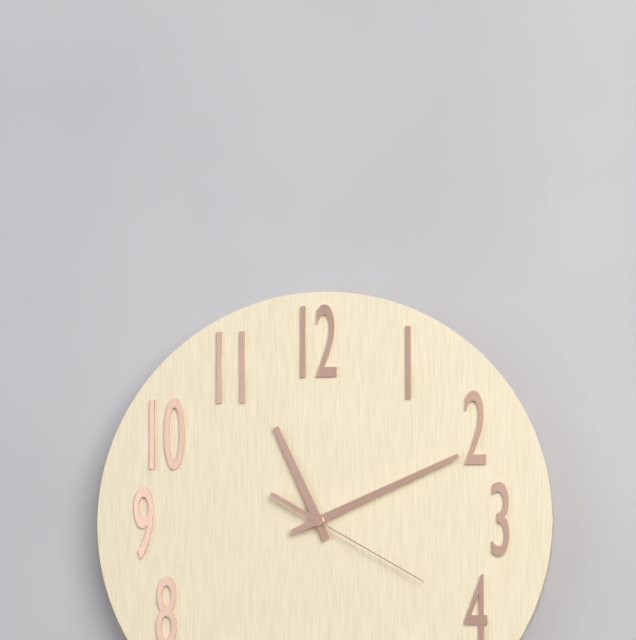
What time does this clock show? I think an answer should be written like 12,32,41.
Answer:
11,11,20
